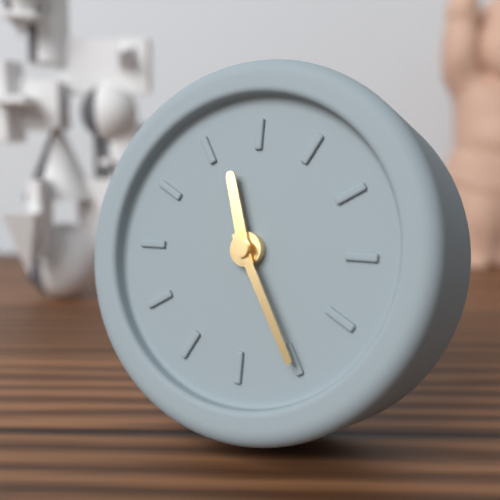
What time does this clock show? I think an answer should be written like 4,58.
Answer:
11,25
